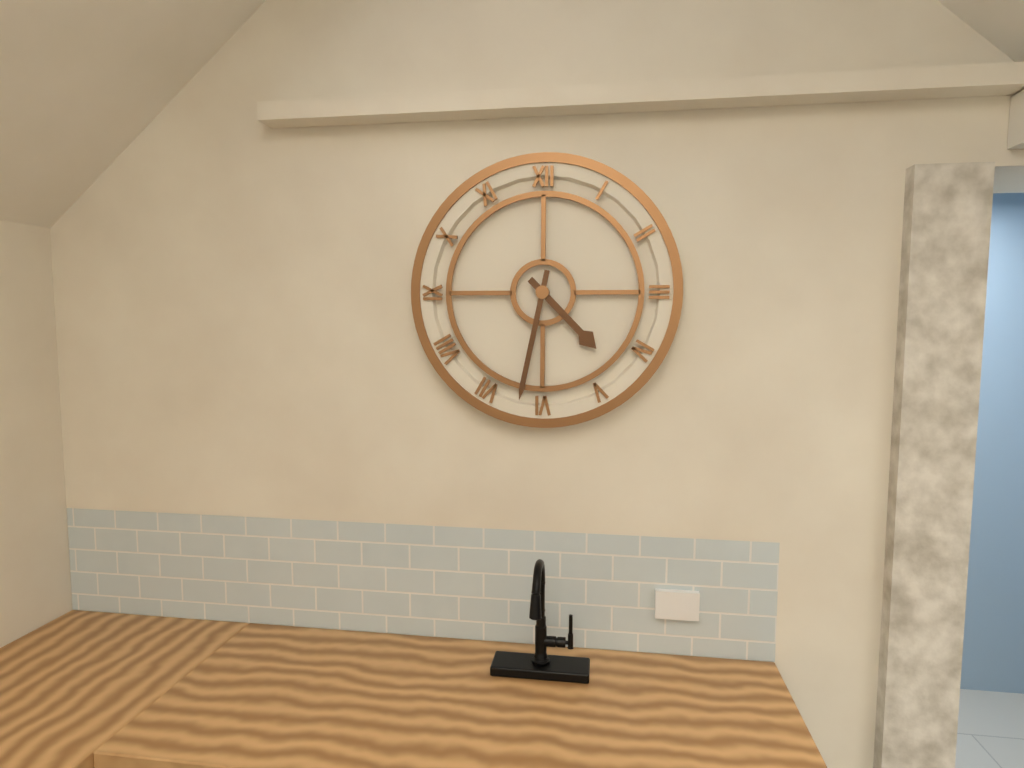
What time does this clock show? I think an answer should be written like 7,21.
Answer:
4,32
